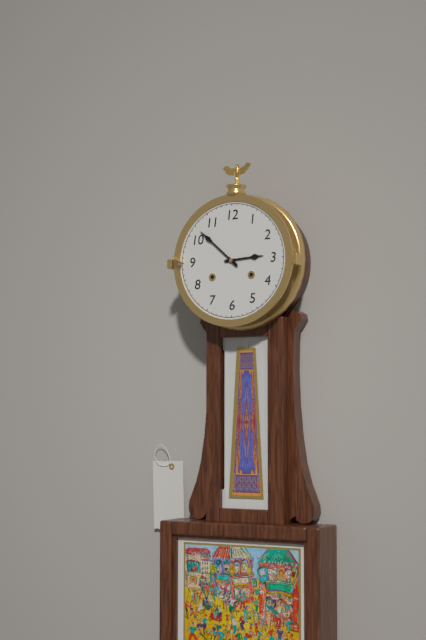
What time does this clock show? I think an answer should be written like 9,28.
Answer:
2,52
